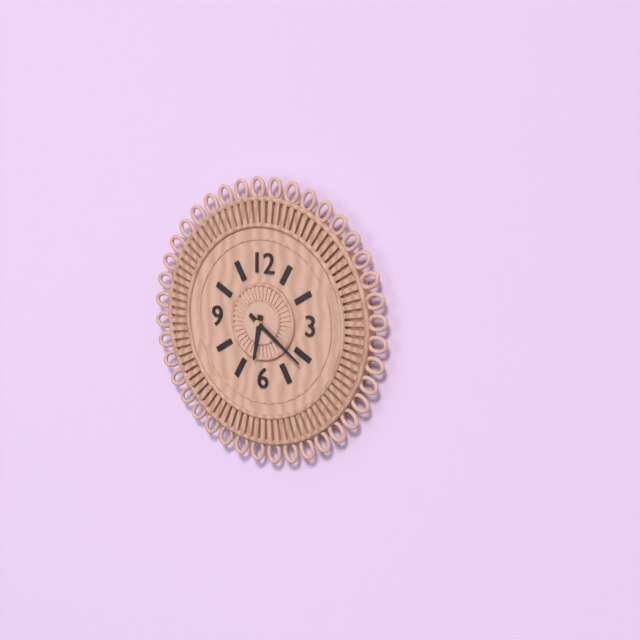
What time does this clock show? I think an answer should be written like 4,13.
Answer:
6,21
